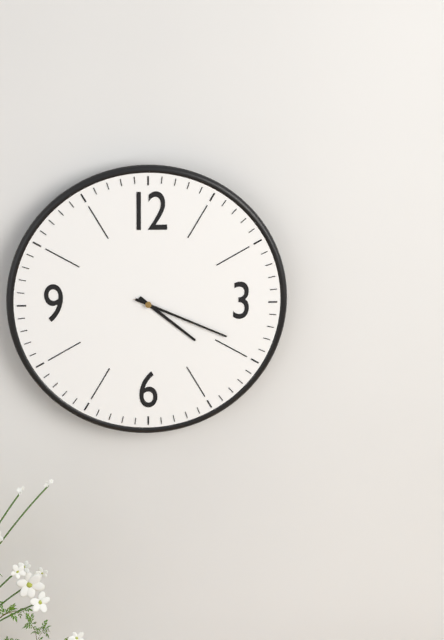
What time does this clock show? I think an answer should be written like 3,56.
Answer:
4,19
